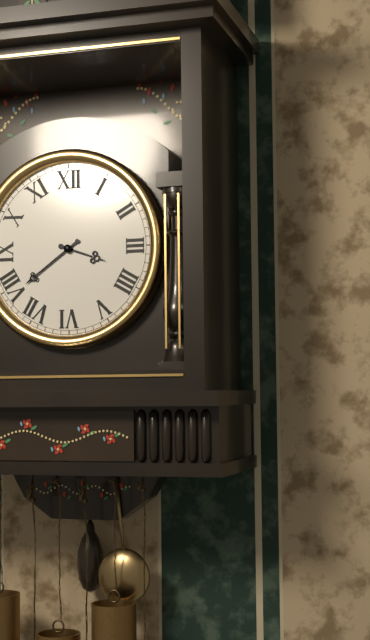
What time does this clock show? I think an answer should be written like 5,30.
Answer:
3,39
